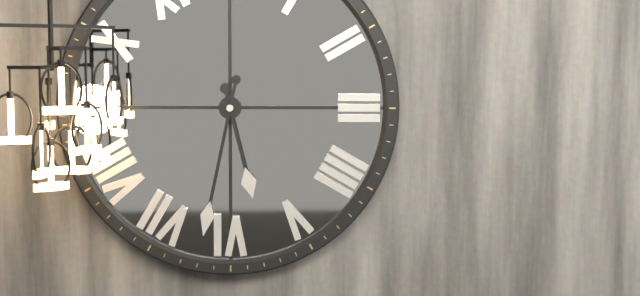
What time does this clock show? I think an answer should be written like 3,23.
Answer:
5,32
